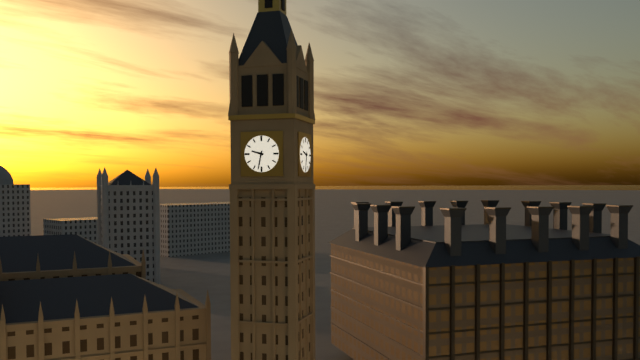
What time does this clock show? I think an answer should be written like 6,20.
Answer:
9,32
